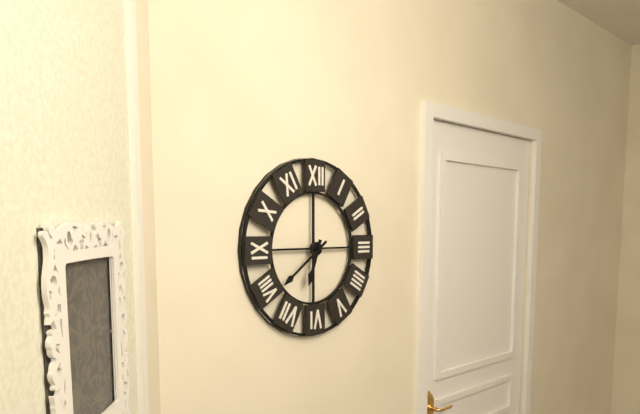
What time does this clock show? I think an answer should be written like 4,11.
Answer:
6,39
